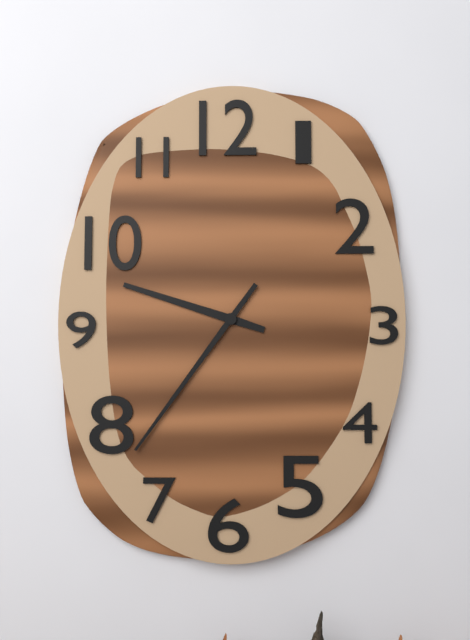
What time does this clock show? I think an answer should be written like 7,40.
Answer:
9,36
